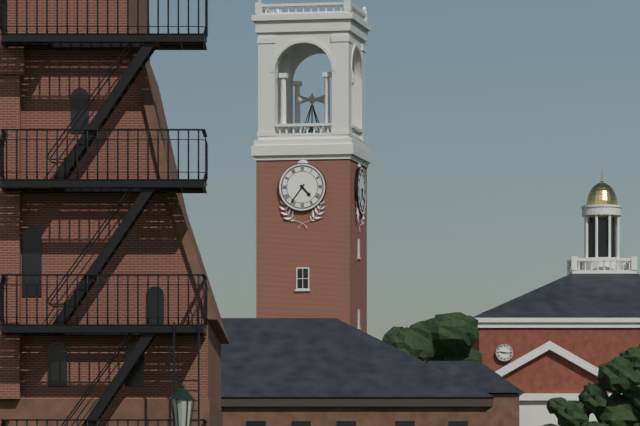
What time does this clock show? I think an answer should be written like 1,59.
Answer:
4,36
